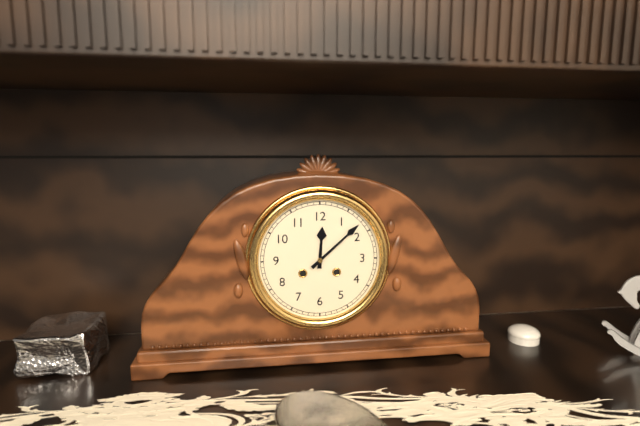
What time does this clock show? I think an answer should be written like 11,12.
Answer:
12,08
